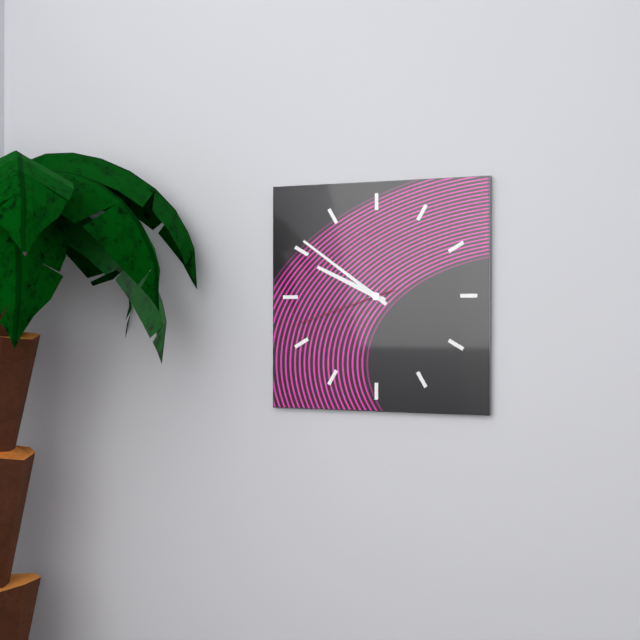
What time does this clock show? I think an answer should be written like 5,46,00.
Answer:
9,51,42
